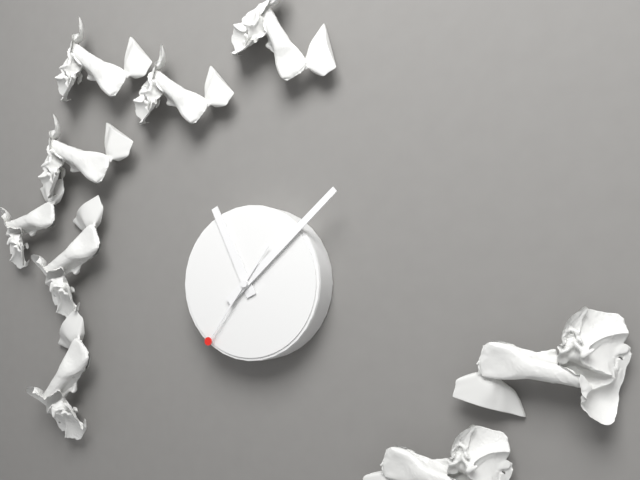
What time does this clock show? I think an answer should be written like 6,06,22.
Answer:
11,08,36
